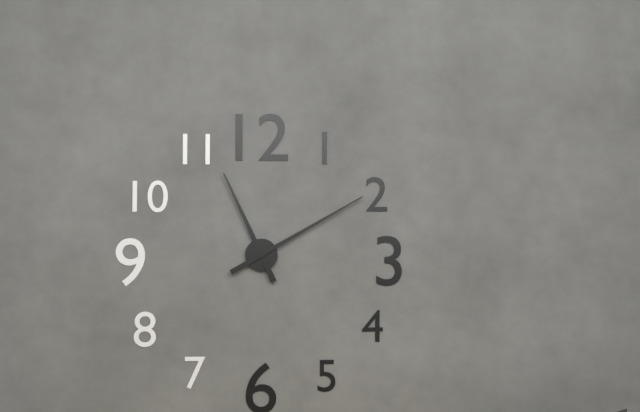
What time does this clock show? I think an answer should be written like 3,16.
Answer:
11,10
